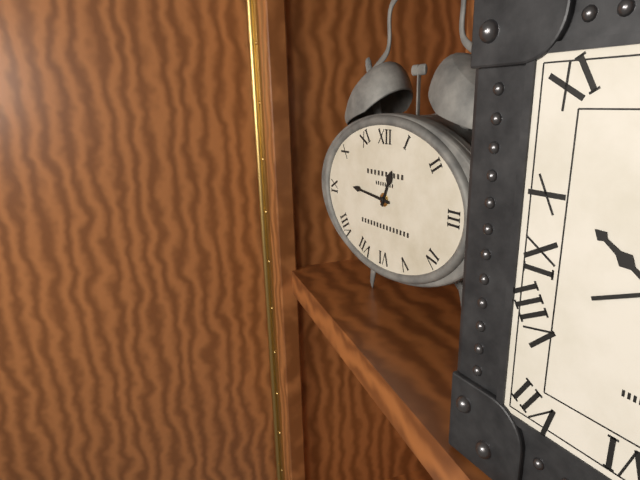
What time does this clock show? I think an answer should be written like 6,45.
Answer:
12,46
